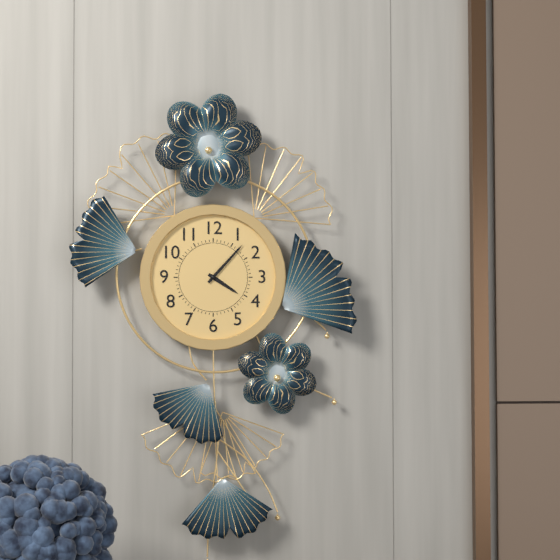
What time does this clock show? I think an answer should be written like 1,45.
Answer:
4,07
